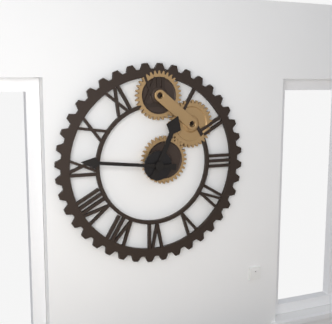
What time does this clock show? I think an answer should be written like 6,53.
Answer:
12,46
